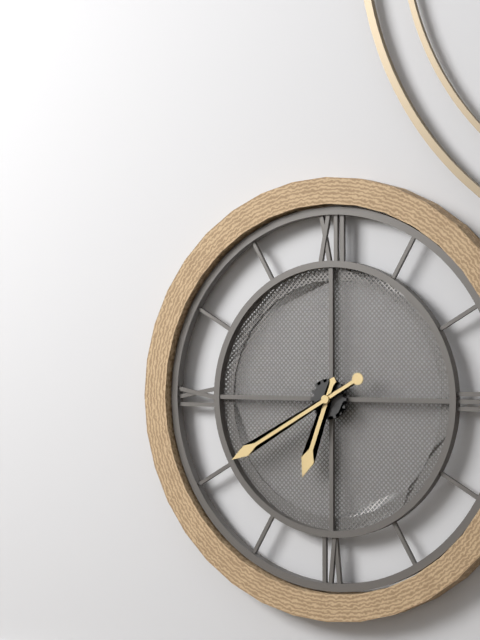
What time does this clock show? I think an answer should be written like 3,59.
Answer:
6,40
